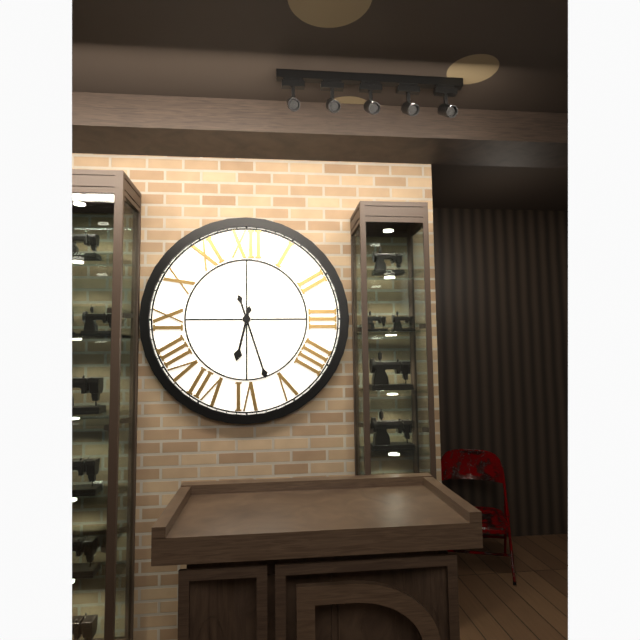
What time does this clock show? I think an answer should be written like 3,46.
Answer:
6,27
